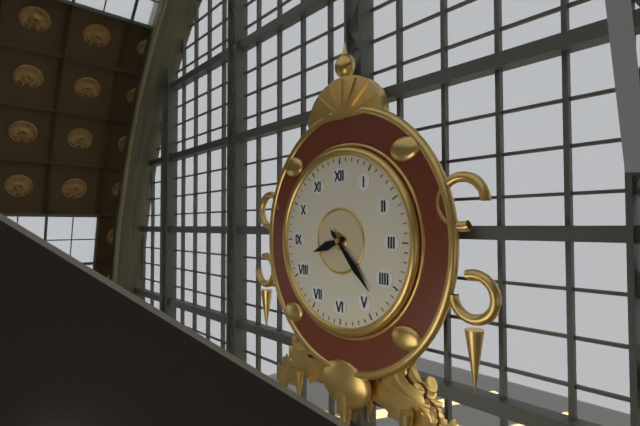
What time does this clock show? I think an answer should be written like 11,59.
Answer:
8,23
